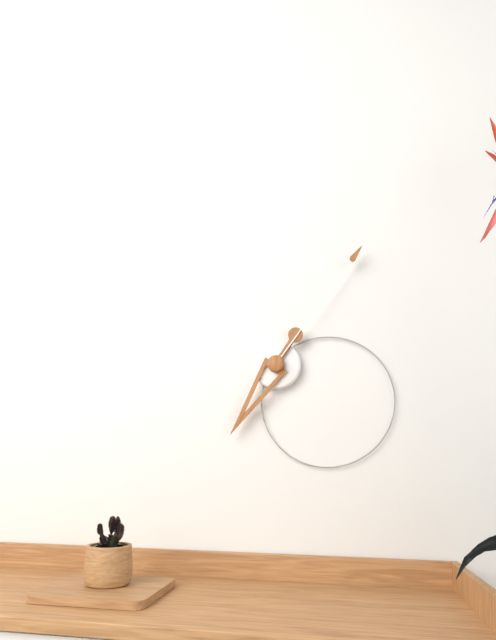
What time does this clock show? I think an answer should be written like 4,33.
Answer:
7,06
